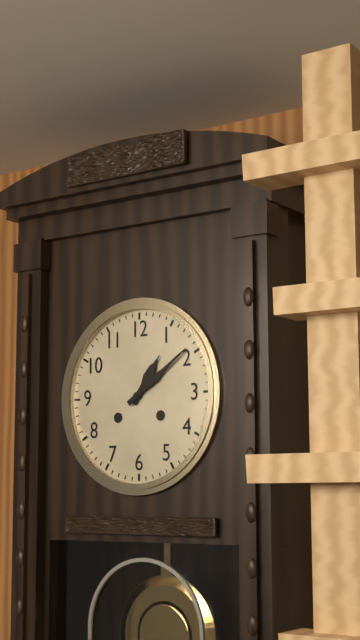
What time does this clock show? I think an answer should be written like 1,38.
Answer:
1,09
